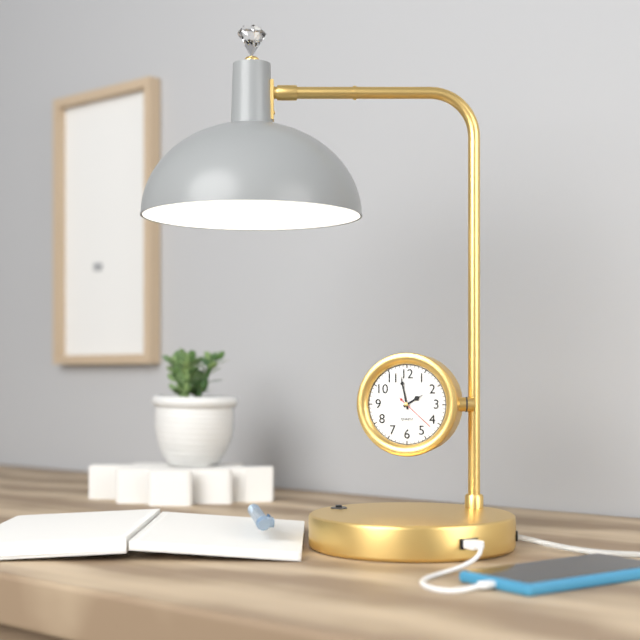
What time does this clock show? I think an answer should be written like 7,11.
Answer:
1,58
